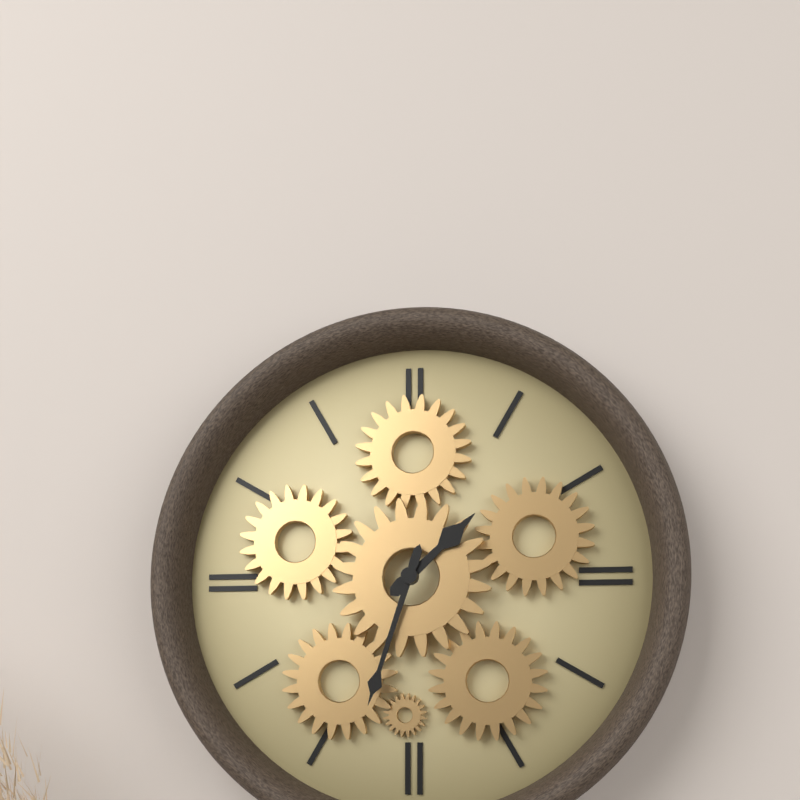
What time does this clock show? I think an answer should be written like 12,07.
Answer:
1,33
